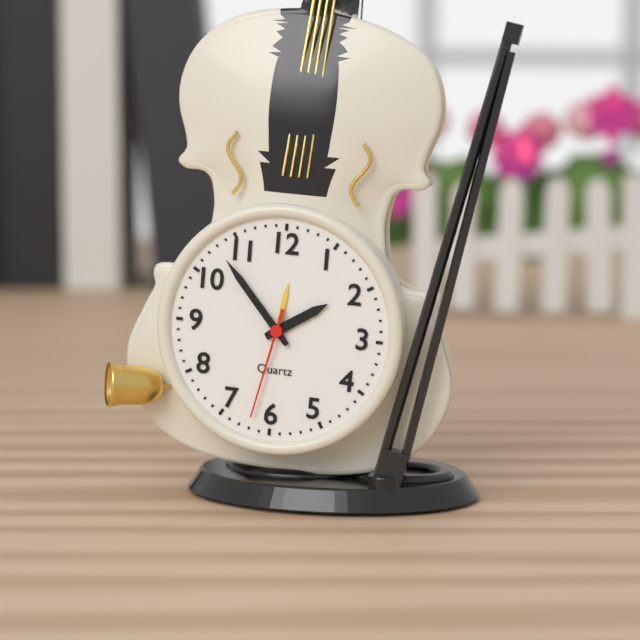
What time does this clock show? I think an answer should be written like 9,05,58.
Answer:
1,53,32
